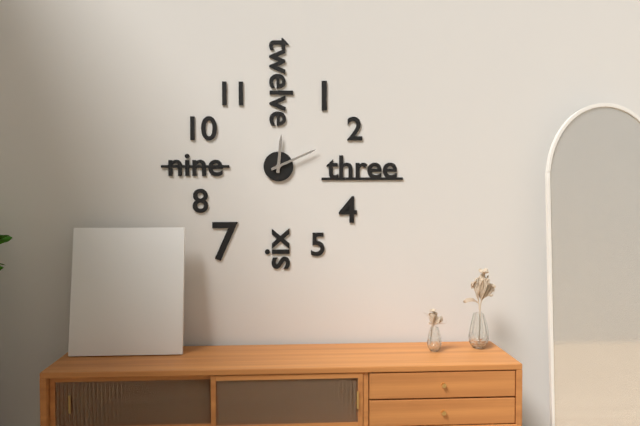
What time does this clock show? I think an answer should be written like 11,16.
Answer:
12,11
